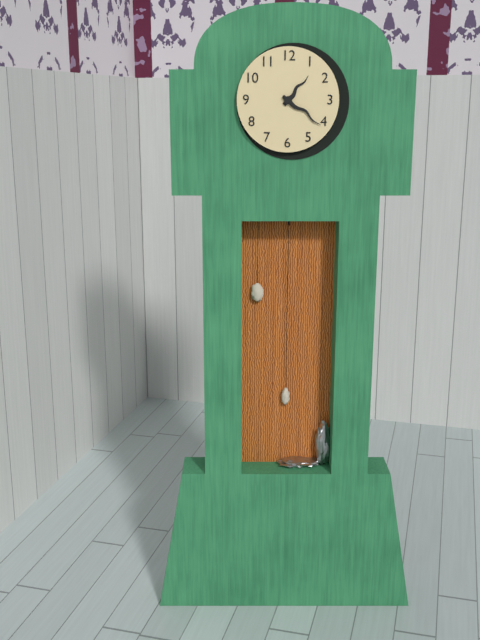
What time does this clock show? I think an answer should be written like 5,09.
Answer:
1,21
